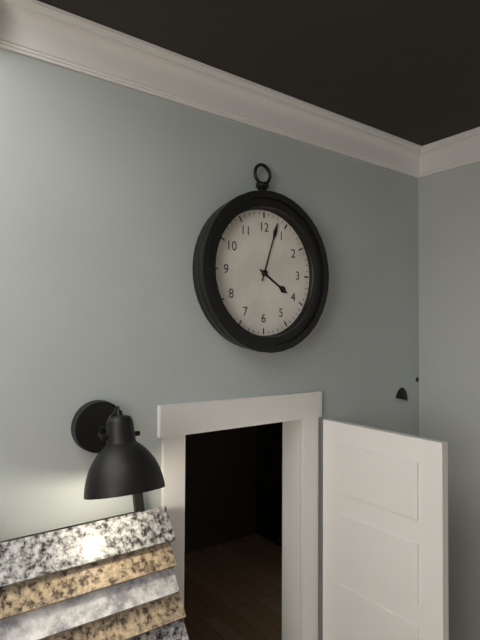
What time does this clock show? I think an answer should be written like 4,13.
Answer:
4,03
